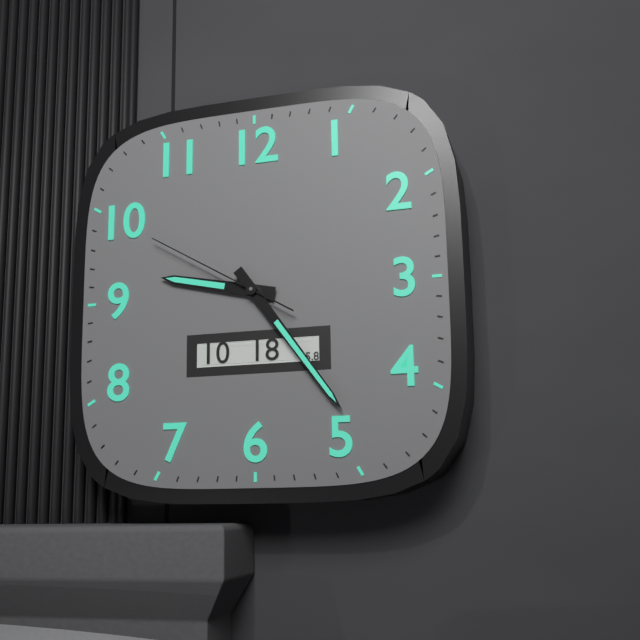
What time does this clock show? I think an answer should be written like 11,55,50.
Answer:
9,24,50
